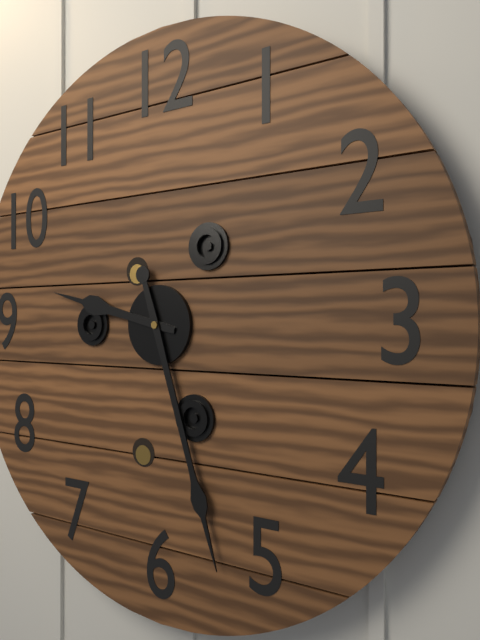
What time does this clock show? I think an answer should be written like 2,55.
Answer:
9,27
